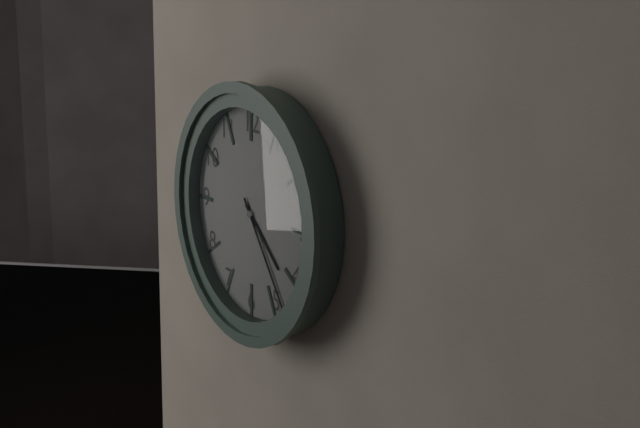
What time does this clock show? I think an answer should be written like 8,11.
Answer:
4,24
